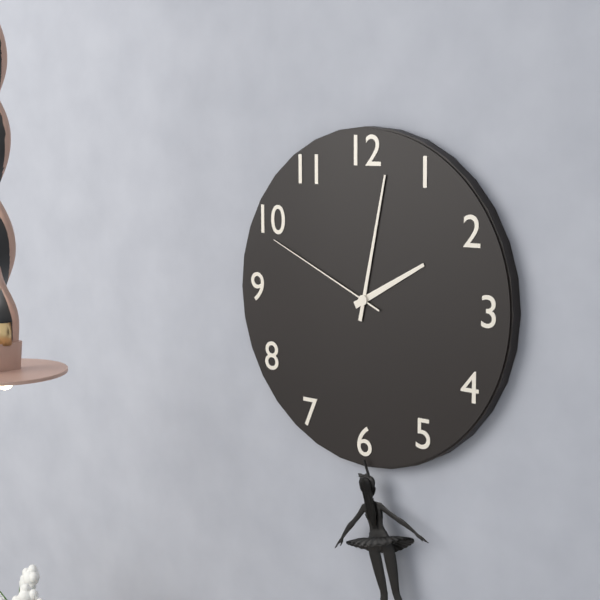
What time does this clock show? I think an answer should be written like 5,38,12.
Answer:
2,02,49
